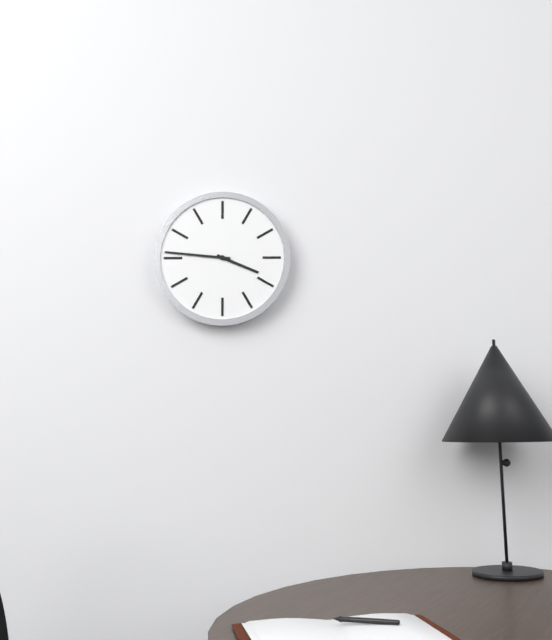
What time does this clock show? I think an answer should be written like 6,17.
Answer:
3,46
